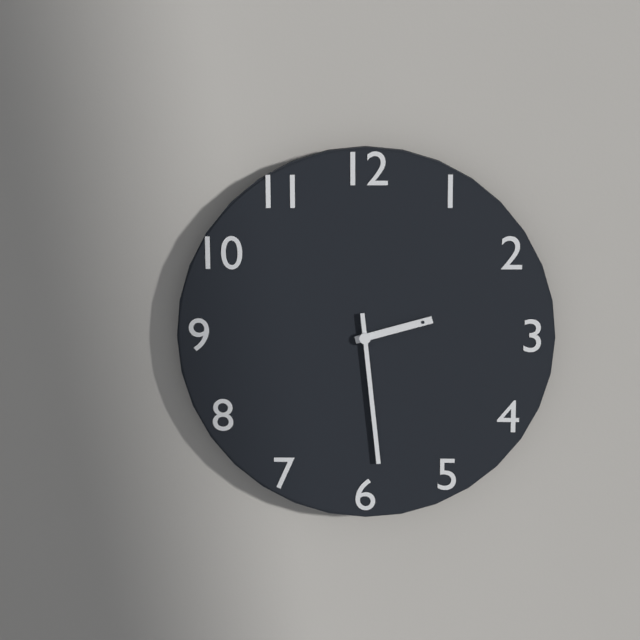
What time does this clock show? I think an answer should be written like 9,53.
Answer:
2,29
